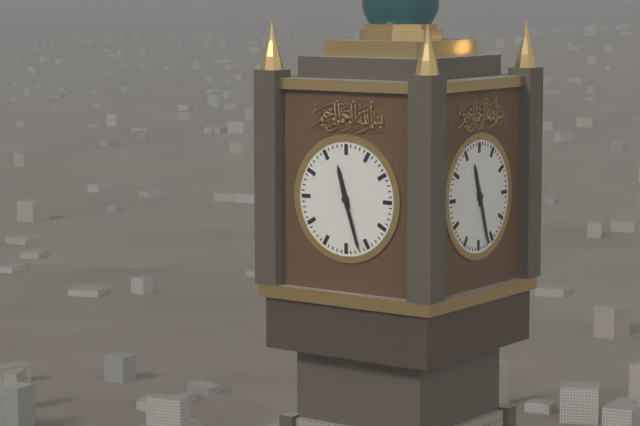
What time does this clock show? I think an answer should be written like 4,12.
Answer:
11,27
